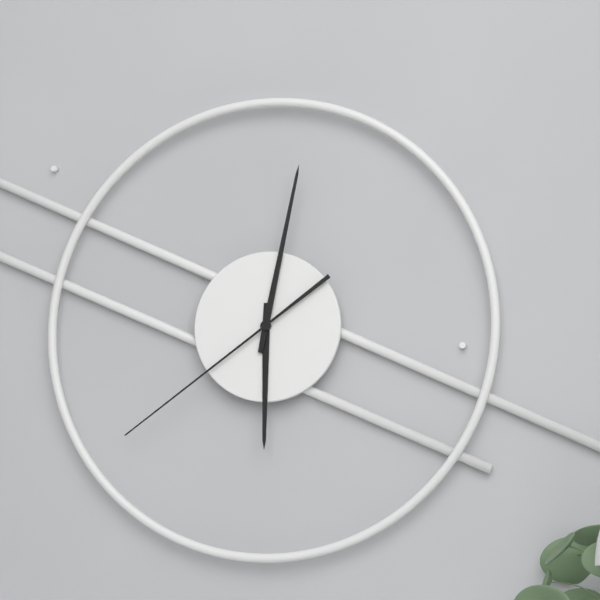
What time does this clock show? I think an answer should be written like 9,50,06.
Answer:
6,02,39
